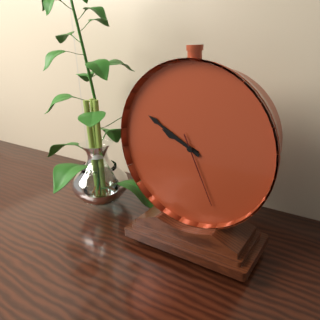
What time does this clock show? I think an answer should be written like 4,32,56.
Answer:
9,50,26
